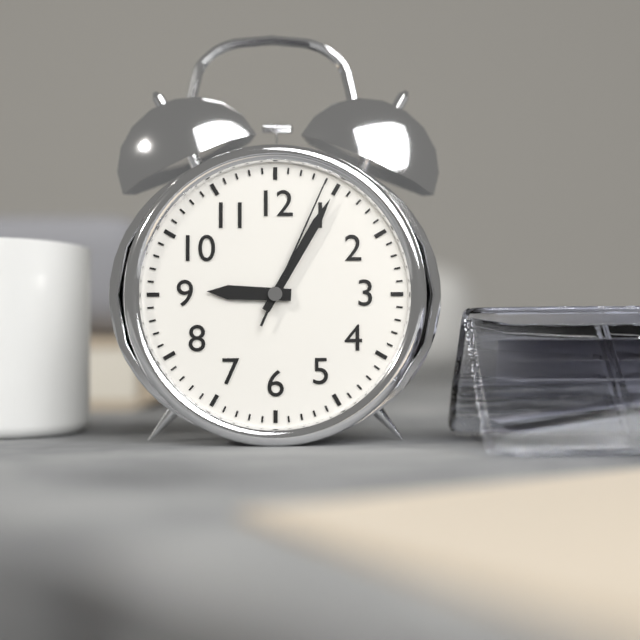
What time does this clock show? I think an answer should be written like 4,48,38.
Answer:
9,05,04
